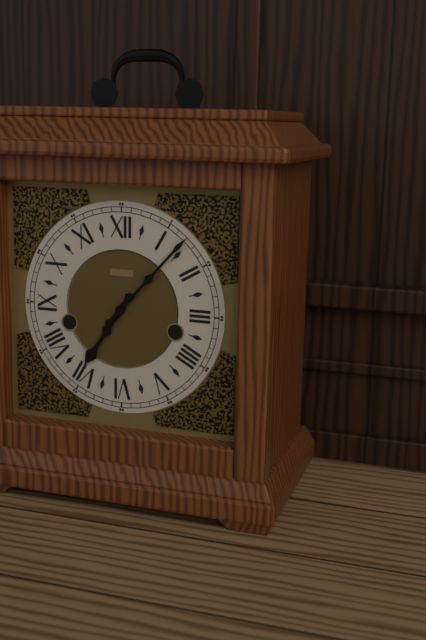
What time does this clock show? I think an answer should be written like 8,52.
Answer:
7,07
